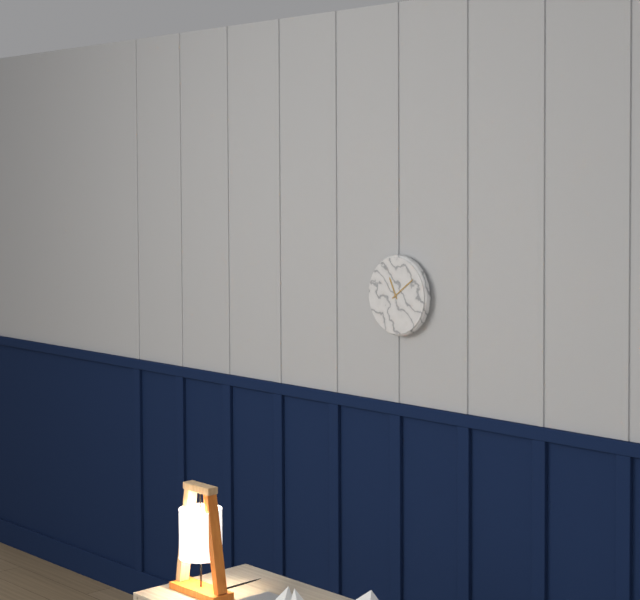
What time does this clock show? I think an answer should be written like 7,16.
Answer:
11,09
